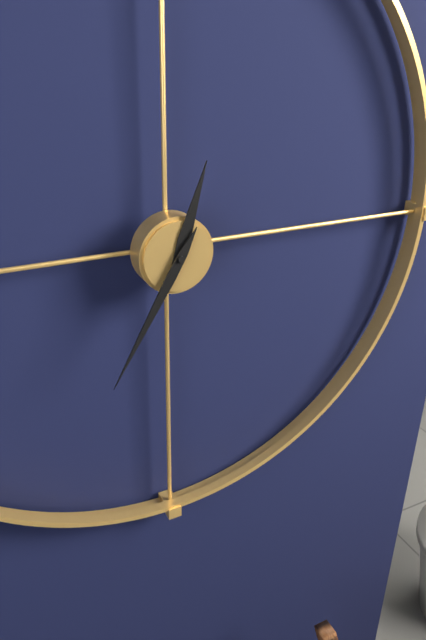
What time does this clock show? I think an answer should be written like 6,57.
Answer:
12,35
